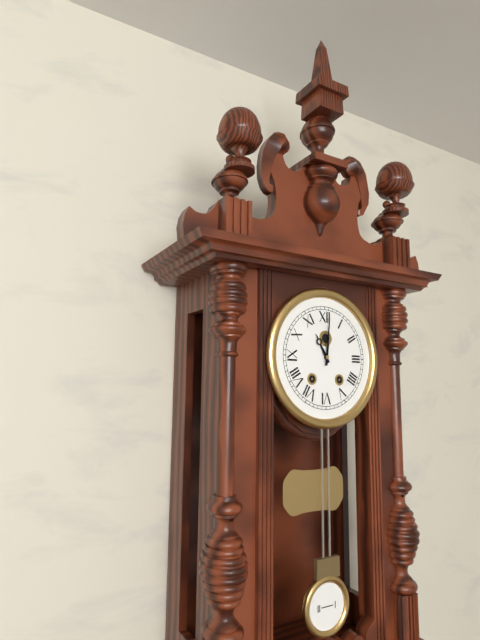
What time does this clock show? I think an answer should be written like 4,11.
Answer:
11,01
